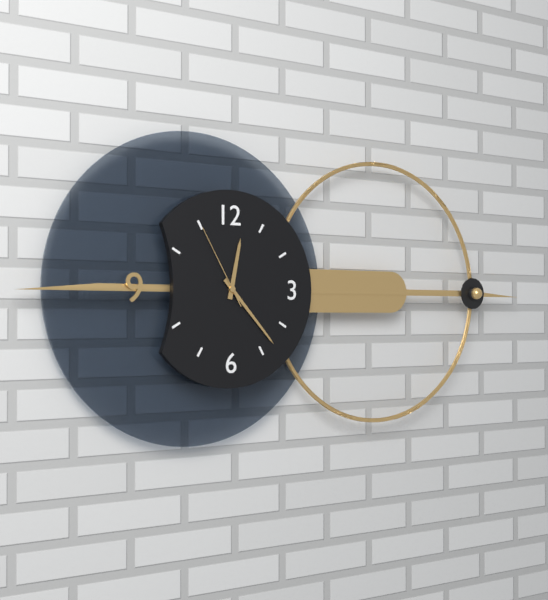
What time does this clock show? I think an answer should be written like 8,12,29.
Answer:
12,23,55
